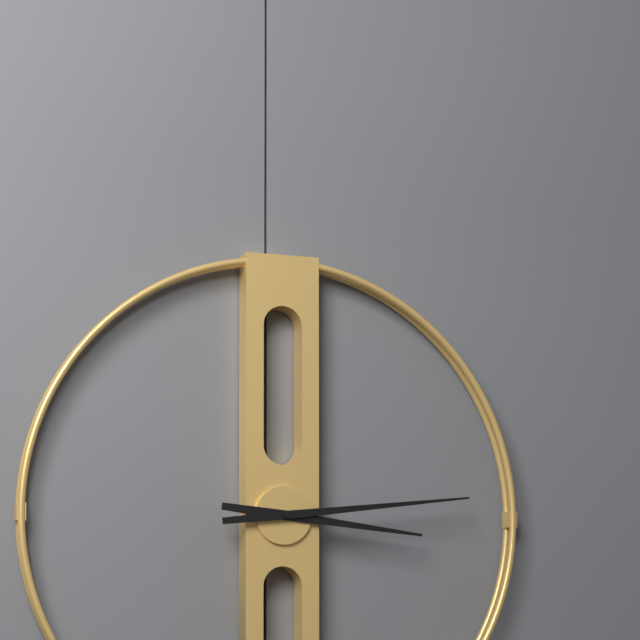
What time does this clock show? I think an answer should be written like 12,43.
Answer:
3,14
